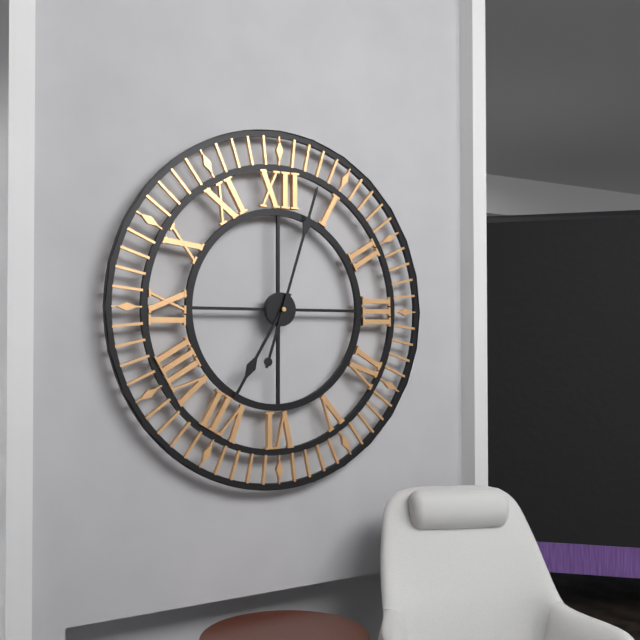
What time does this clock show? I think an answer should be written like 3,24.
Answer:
7,03
